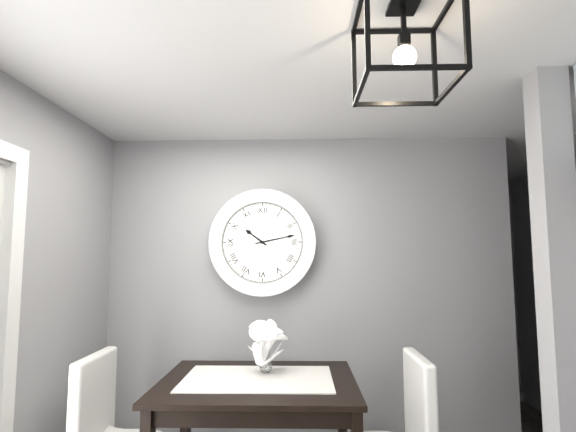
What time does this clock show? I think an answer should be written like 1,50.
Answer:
10,13
